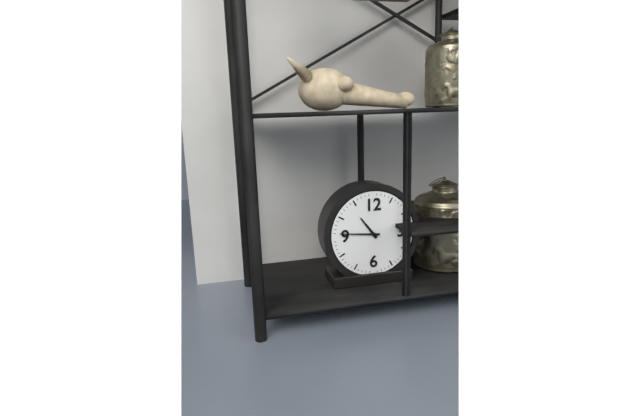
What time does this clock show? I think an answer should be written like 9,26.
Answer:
10,46
